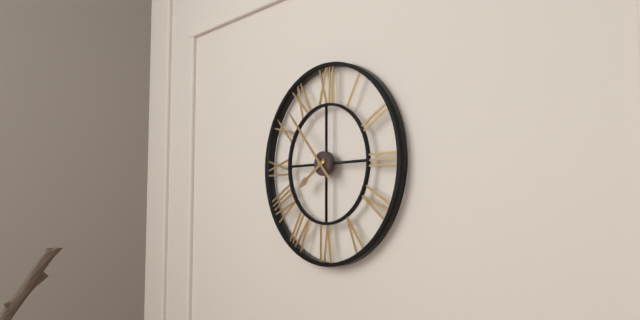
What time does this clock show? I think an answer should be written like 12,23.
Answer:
7,53
